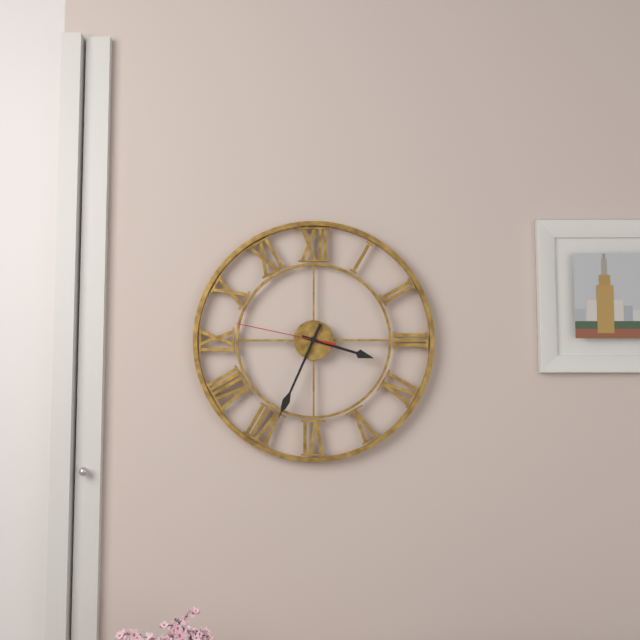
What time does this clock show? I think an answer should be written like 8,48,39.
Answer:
3,34,47
